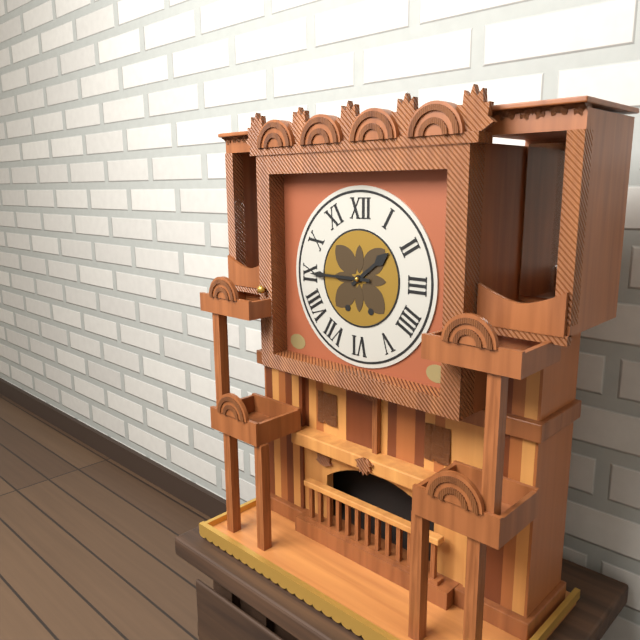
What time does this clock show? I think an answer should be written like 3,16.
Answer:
1,45
